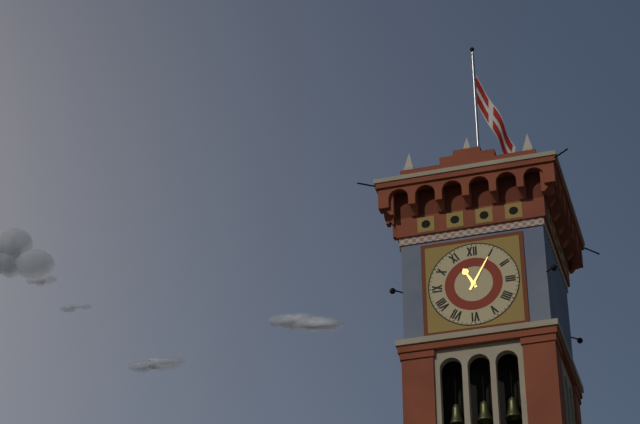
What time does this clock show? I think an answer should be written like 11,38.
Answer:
11,05
